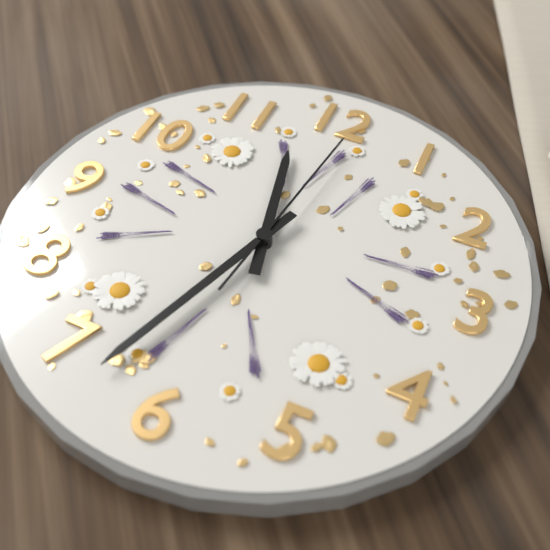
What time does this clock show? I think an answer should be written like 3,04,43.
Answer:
11,33,01
